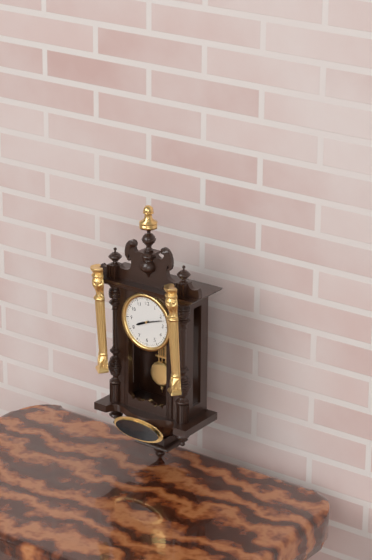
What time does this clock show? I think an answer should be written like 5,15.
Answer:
8,12
